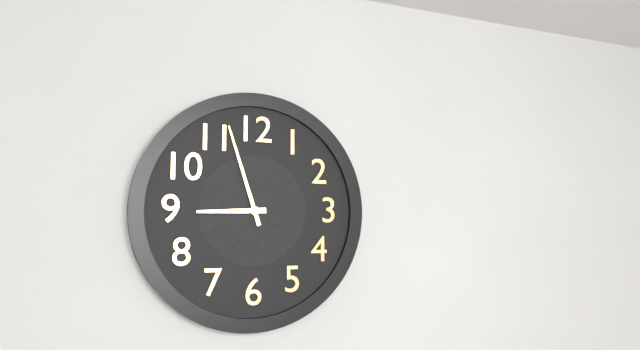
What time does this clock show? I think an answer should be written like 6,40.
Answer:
8,57
